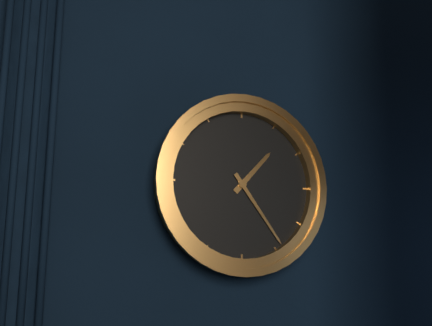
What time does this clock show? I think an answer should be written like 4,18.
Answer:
1,24
